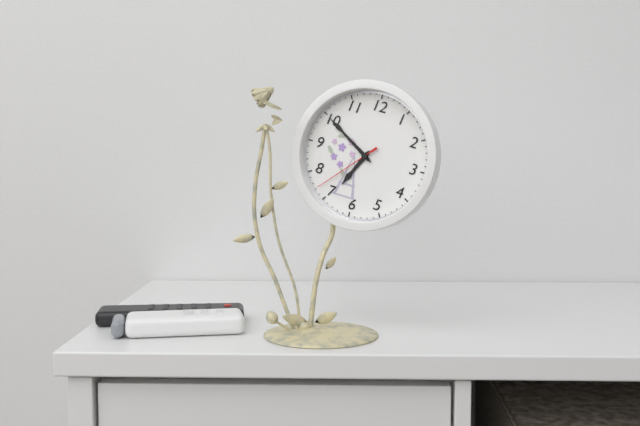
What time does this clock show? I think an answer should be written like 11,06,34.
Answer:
6,50,37
